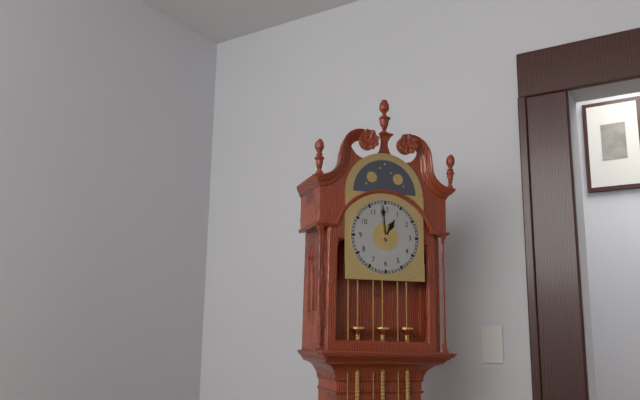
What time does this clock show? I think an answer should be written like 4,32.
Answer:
12,59
